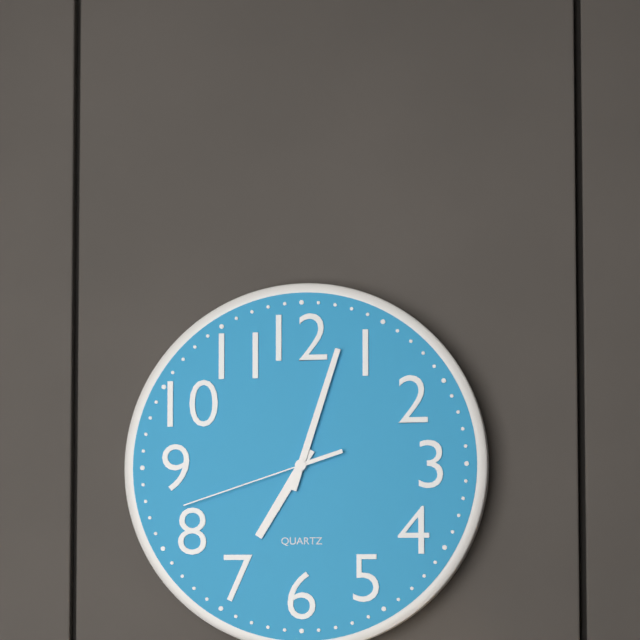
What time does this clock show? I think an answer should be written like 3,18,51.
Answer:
7,03,42
